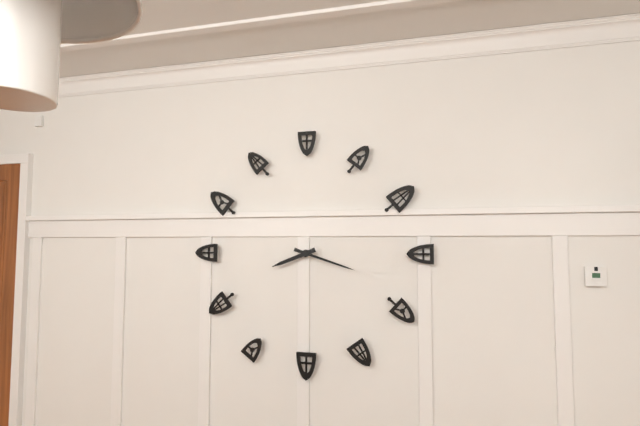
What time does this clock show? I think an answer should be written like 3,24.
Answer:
8,18
